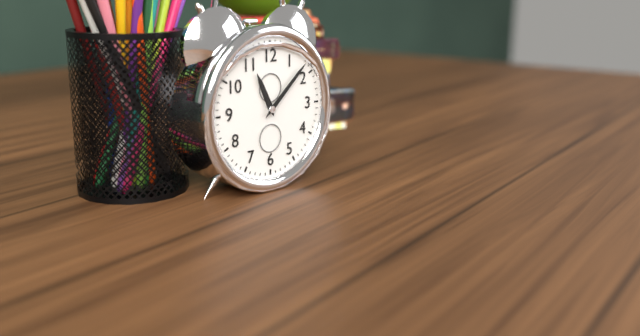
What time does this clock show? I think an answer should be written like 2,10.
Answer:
11,08
